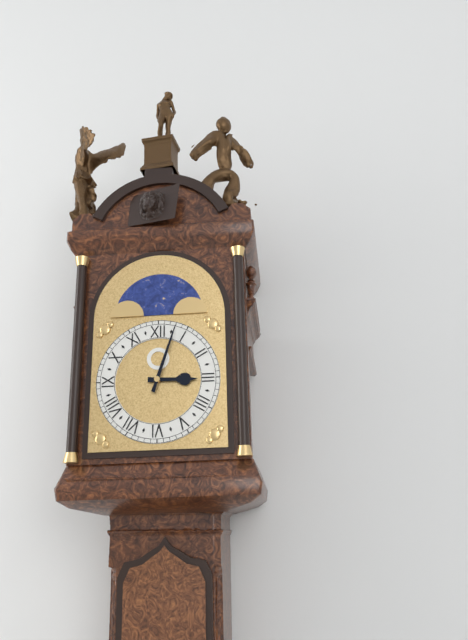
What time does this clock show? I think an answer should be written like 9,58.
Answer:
3,03
